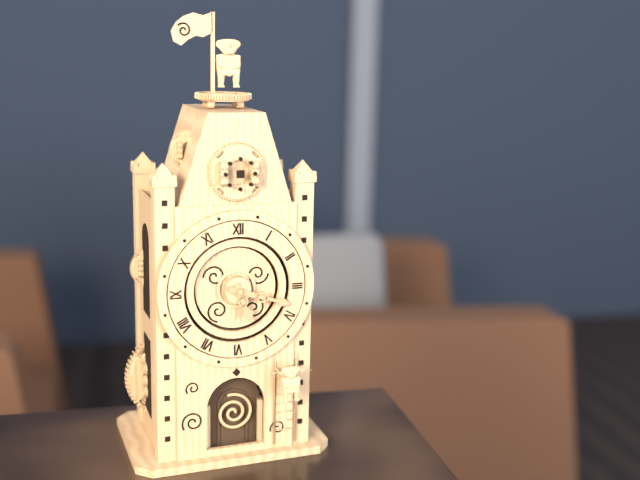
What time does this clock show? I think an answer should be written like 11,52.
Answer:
5,18
